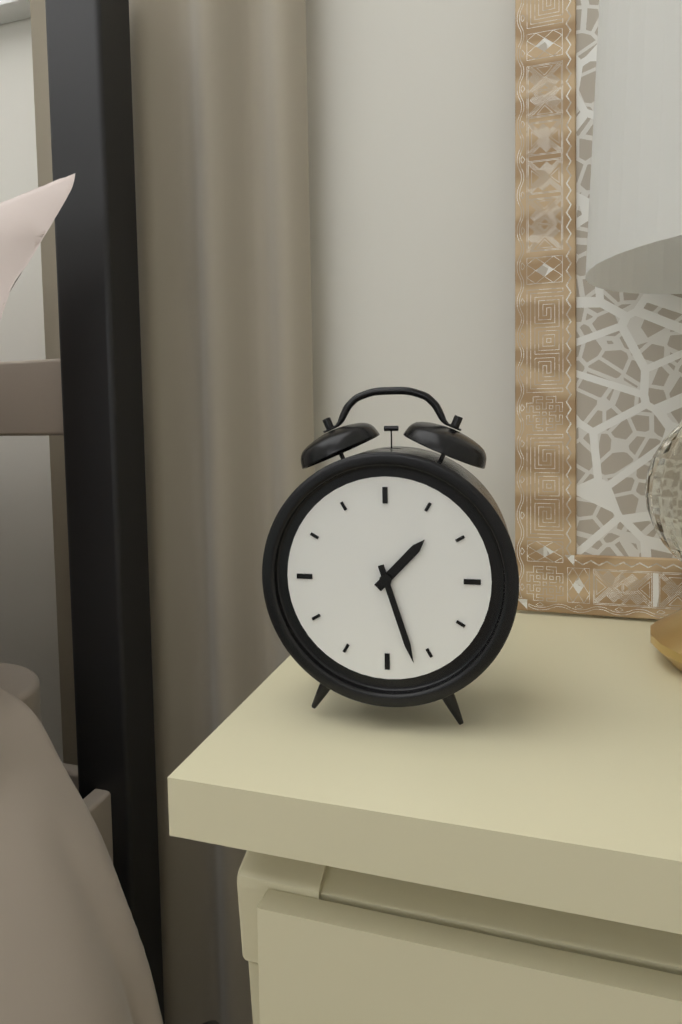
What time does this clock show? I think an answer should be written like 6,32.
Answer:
1,27
